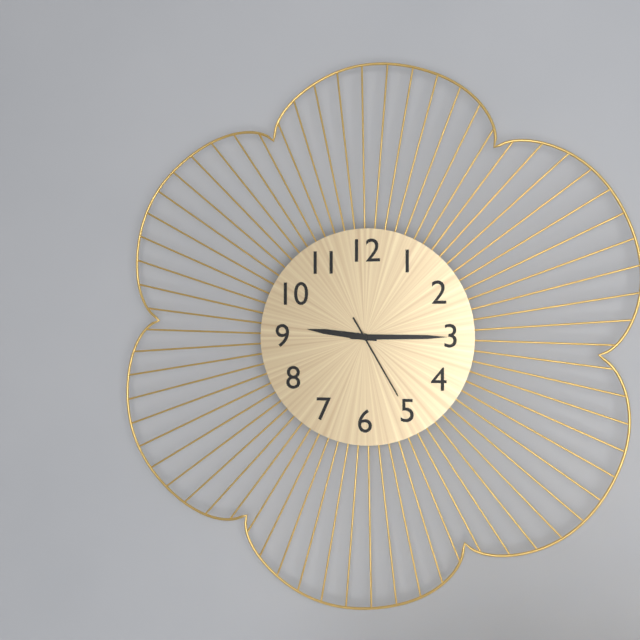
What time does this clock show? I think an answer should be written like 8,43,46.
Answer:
9,15,25
